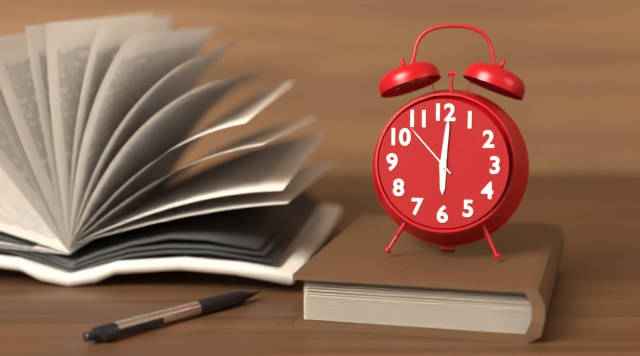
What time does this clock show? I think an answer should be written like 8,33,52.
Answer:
6,01,53
